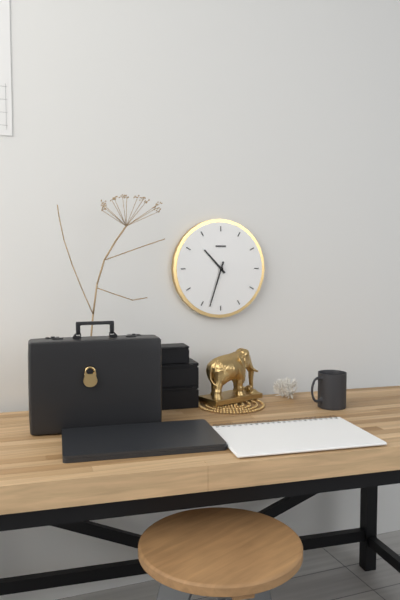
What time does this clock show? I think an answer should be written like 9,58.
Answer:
10,33
